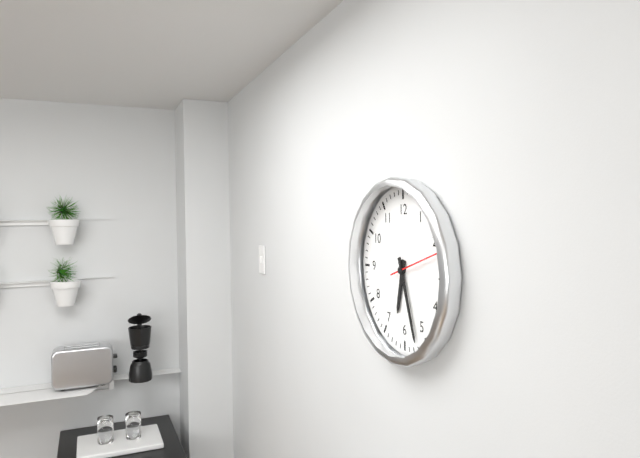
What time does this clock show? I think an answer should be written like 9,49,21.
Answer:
6,27,12
